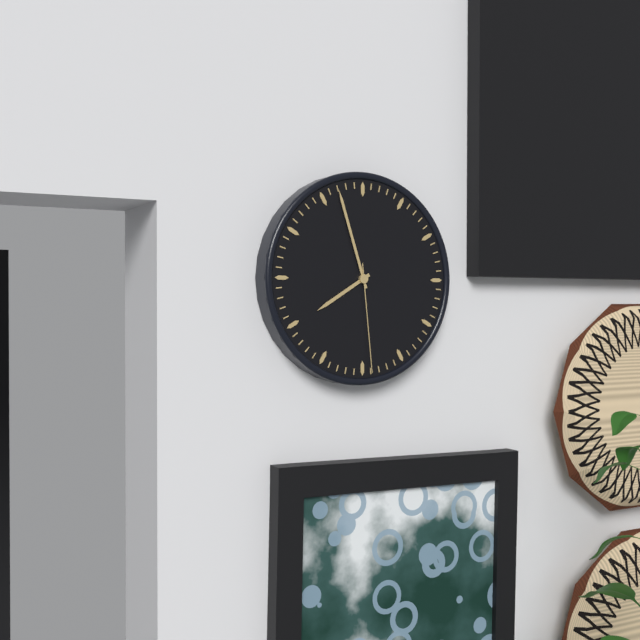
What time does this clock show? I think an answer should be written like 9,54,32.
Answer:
7,57,29
